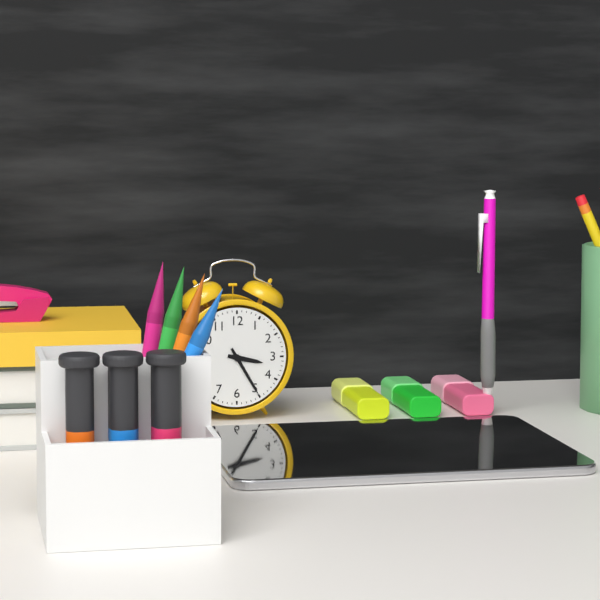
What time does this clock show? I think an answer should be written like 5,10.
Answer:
3,25
